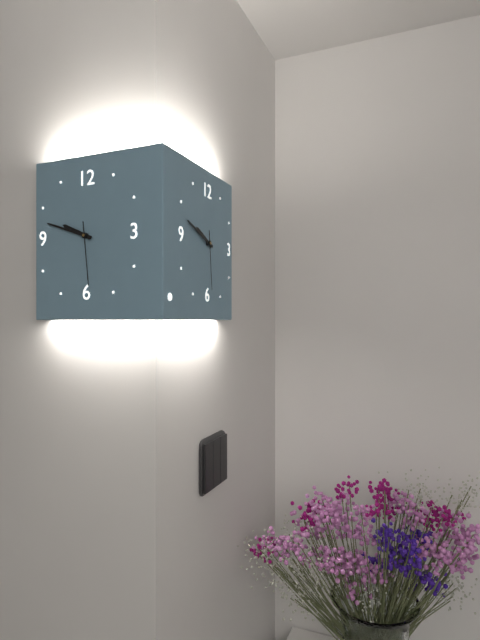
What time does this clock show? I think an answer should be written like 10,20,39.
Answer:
9,48,29
